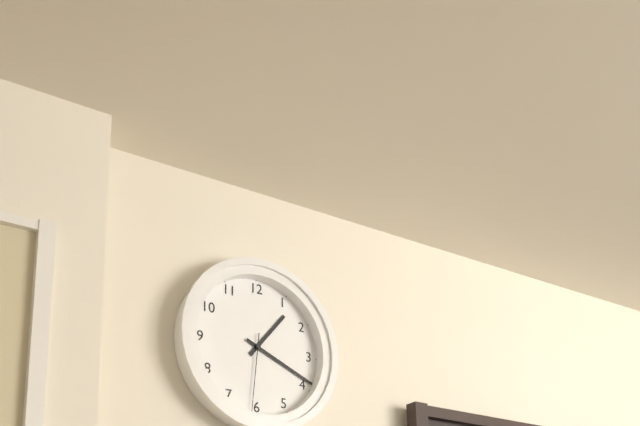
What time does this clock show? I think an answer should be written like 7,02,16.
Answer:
1,19,31
